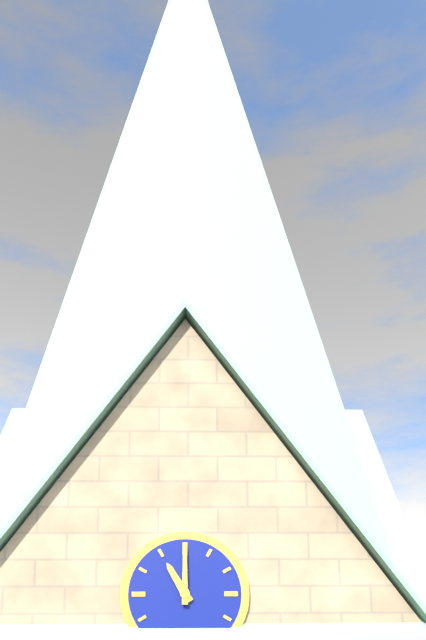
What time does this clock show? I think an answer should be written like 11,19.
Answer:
11,00
